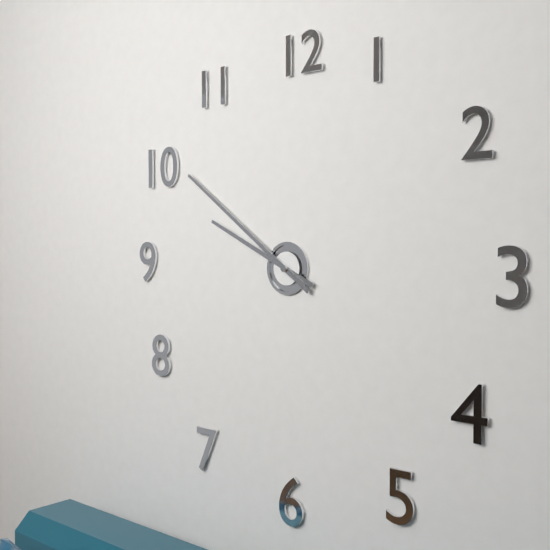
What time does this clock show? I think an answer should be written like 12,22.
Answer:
9,51
